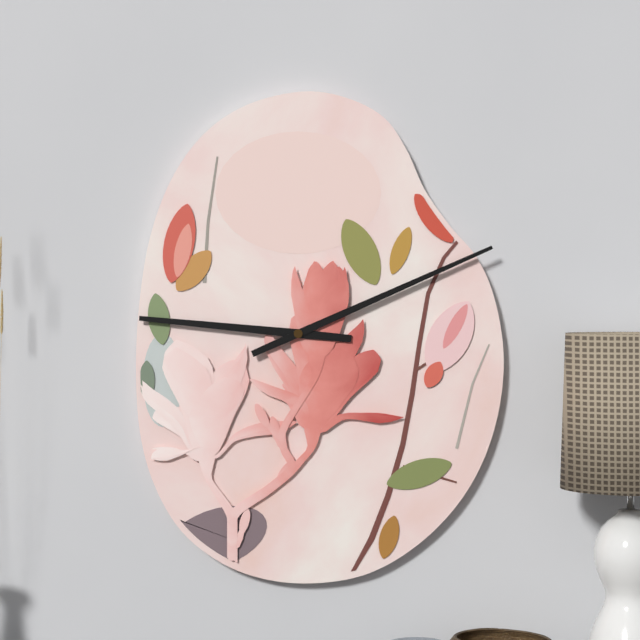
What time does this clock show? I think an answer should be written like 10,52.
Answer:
9,11
